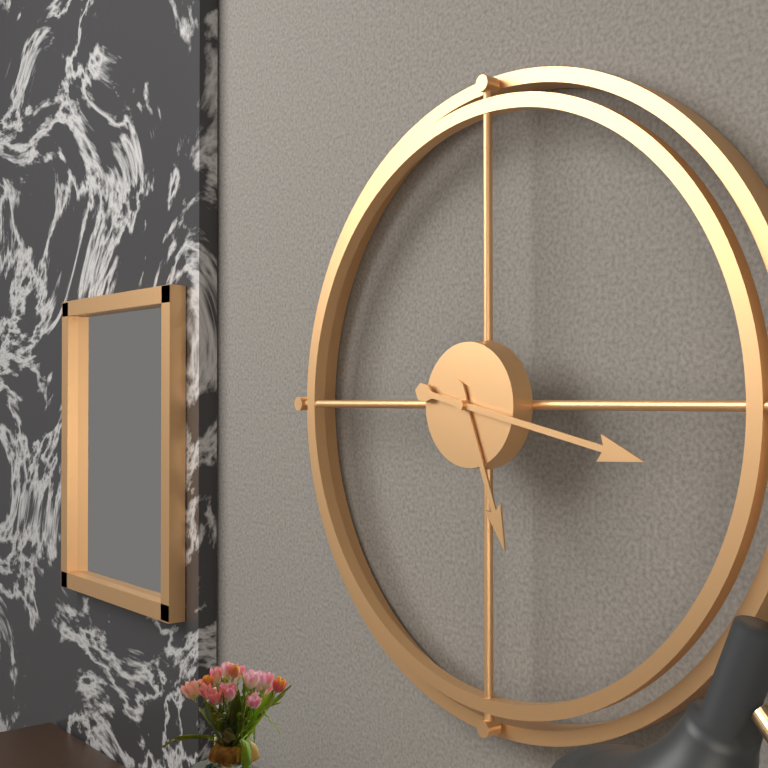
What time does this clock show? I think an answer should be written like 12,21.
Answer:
5,17
